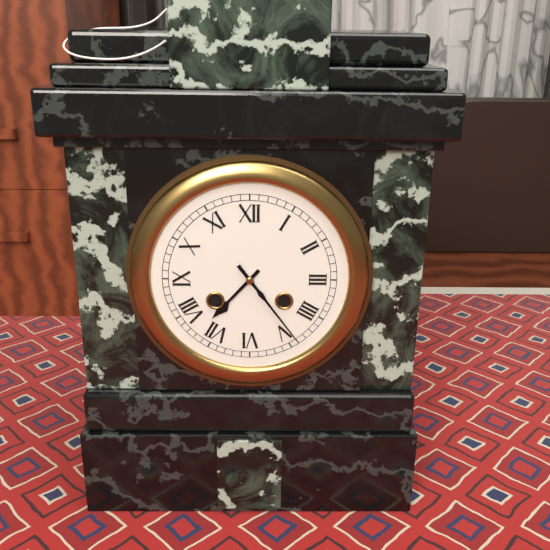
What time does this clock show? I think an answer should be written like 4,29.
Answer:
7,24
